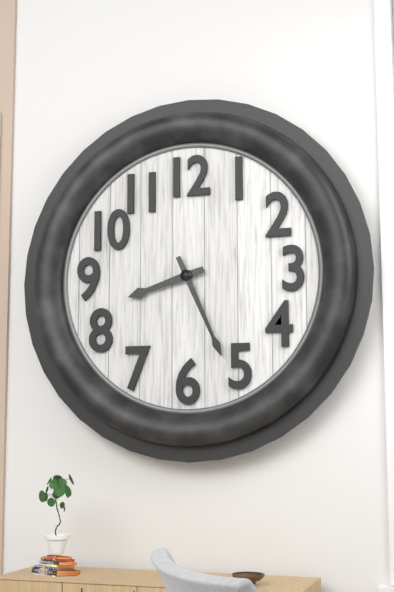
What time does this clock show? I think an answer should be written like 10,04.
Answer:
8,26
